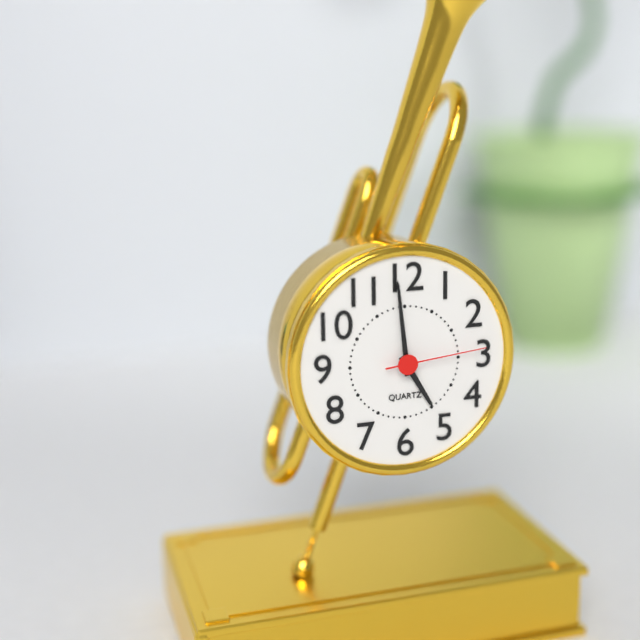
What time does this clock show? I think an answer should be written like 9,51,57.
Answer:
4,59,14
